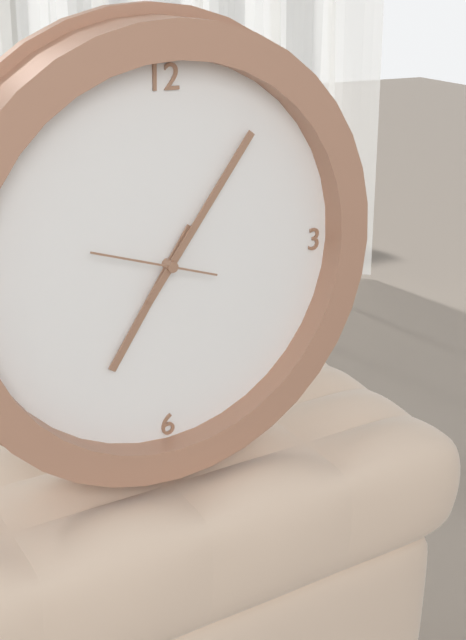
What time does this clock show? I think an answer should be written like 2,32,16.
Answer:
7,06,48
